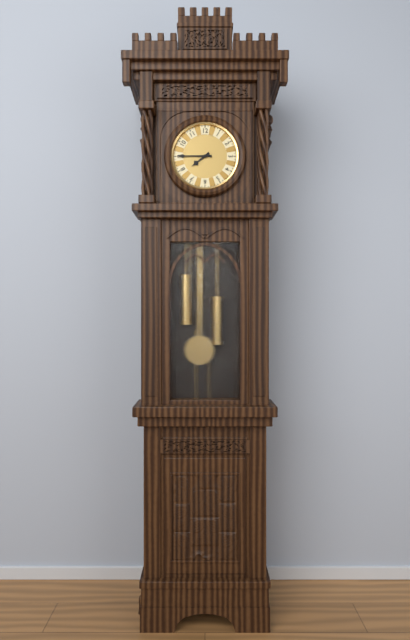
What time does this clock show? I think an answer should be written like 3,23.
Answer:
7,45
